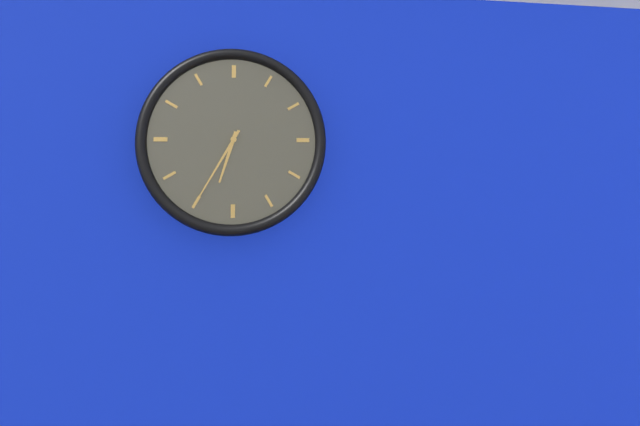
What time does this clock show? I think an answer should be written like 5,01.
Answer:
6,35
